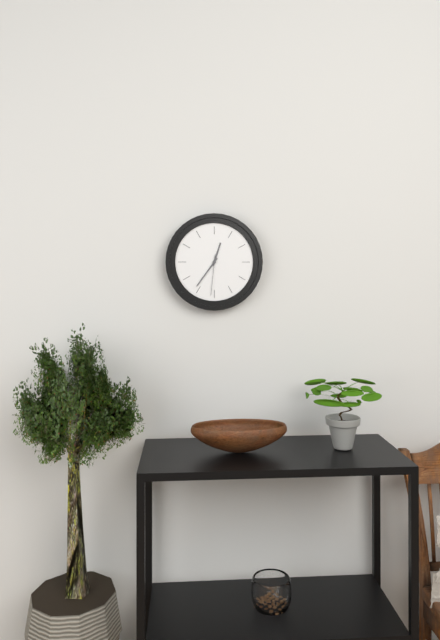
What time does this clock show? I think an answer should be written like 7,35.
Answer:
12,36
